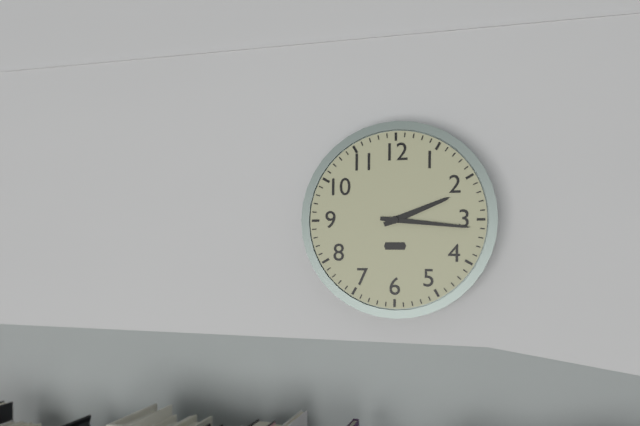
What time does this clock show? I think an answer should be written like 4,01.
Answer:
2,16
